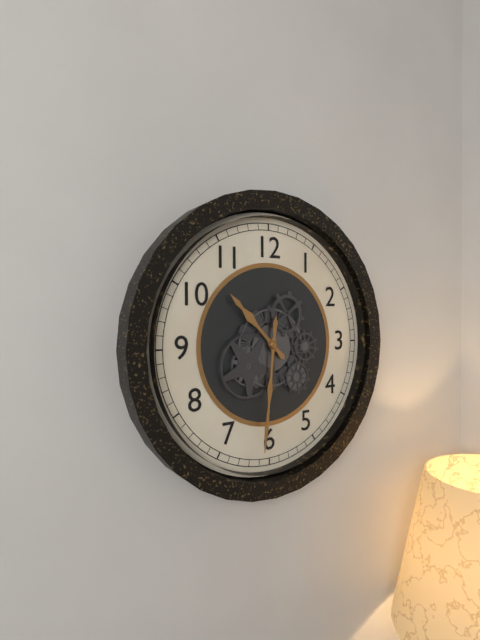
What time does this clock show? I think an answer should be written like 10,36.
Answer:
10,31
